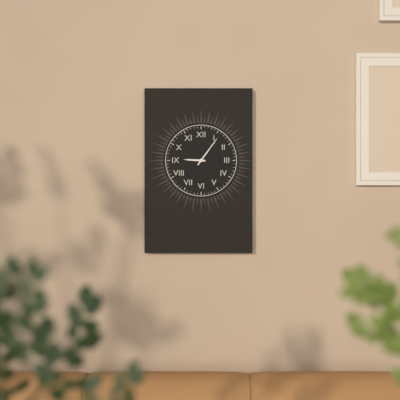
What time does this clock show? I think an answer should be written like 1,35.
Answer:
9,06
